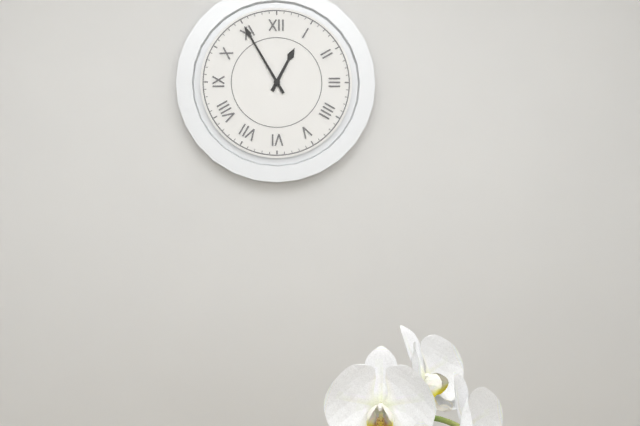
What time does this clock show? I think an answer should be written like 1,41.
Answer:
12,55
